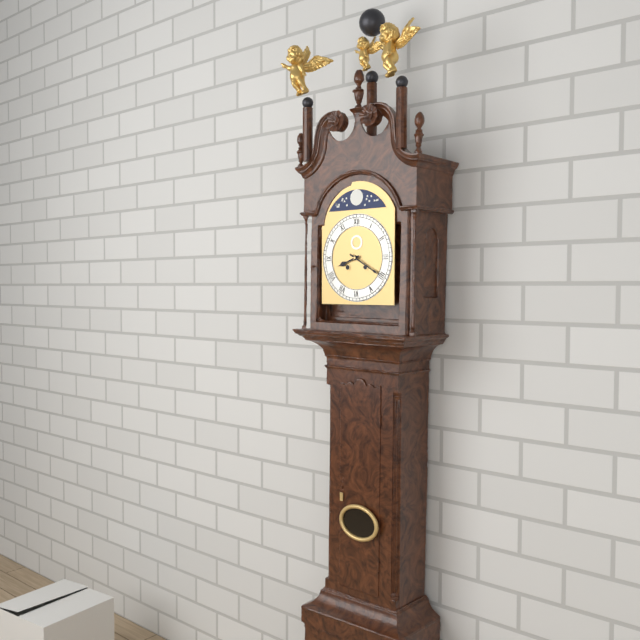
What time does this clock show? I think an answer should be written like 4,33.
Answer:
8,20
